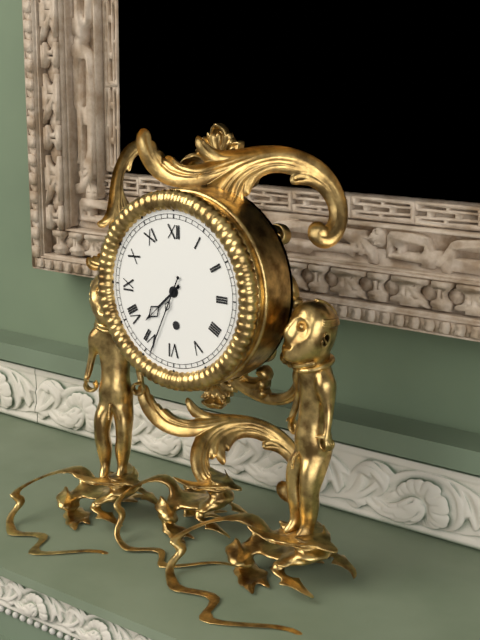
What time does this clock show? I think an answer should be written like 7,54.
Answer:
7,34
